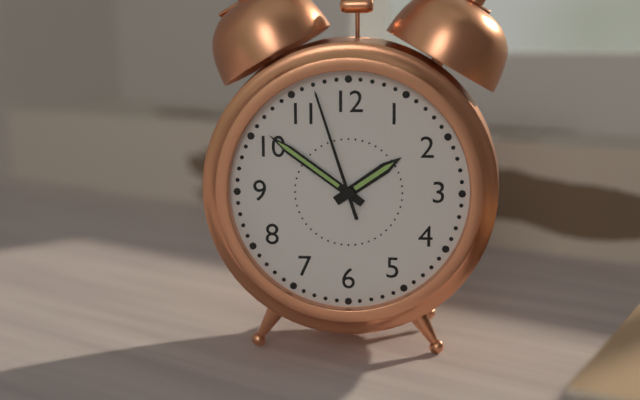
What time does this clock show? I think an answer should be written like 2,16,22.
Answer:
1,51,57
